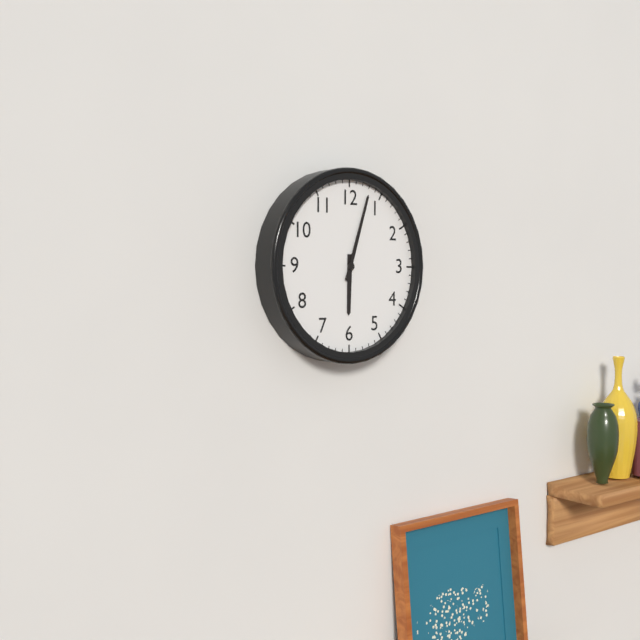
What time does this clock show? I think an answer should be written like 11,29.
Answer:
6,03
